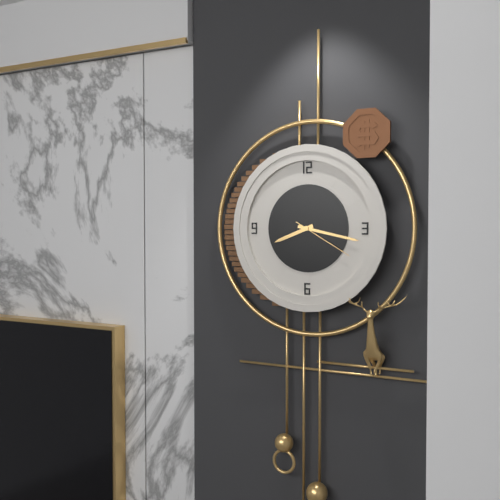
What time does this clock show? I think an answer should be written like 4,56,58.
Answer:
8,17,20
